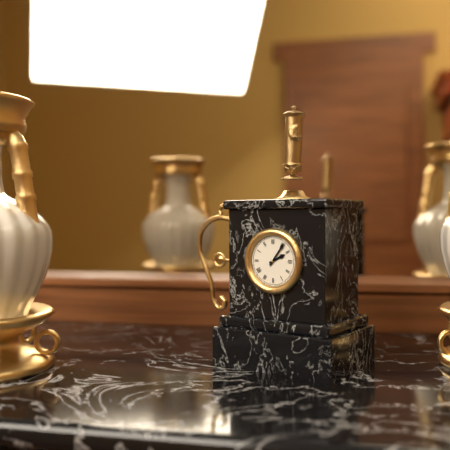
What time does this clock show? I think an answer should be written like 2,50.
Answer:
2,06
